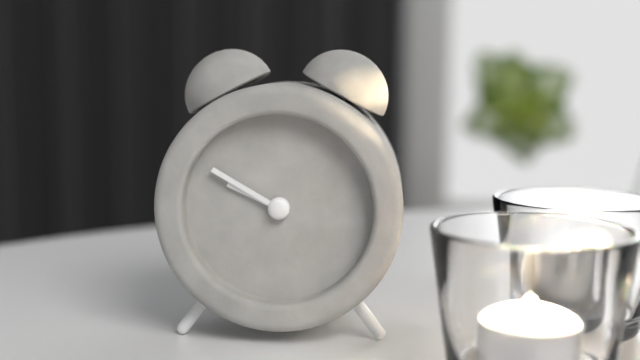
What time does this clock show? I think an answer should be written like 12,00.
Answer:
9,50
